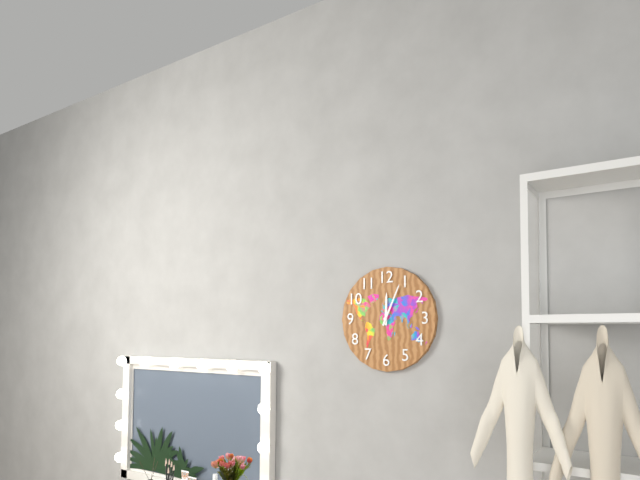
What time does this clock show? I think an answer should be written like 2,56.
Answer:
12,04
